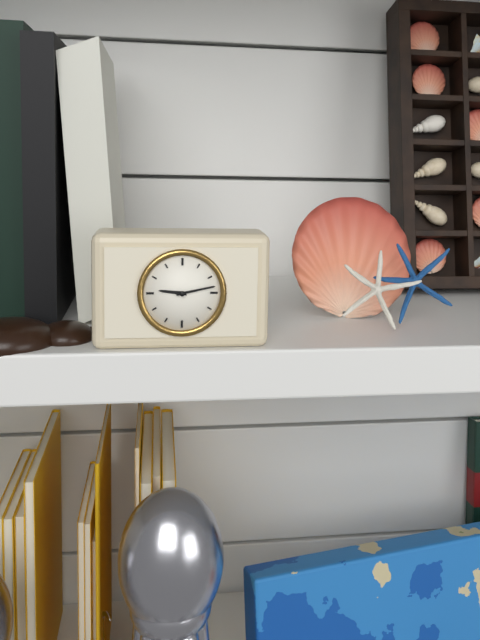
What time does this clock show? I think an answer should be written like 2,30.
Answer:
9,13
